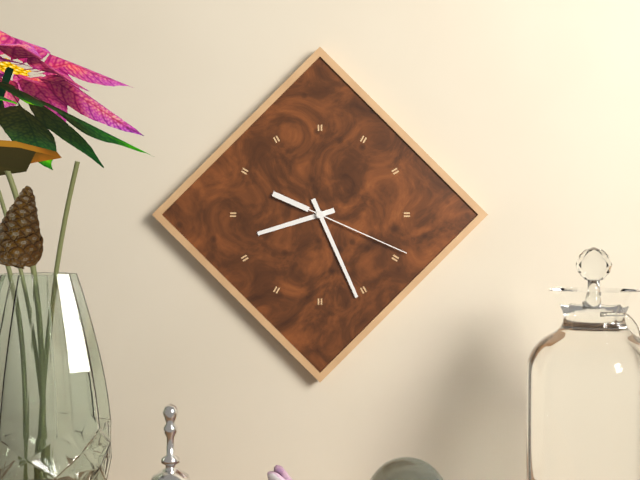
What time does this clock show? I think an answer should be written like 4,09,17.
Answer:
8,26,19
